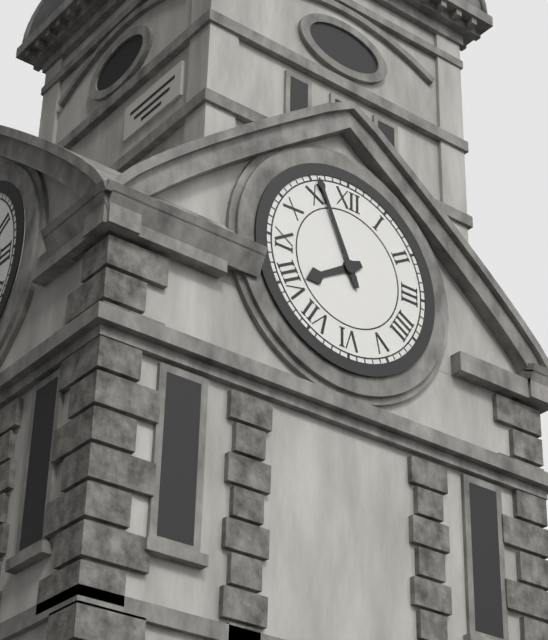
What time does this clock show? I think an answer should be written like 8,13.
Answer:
7,56
